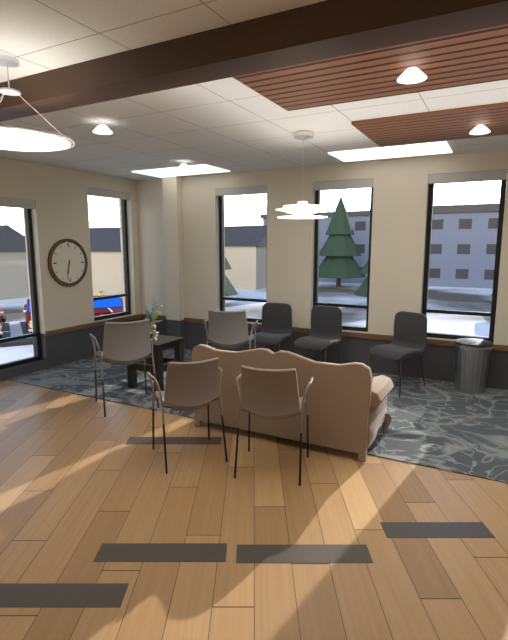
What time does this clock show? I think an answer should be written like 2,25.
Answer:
6,32
